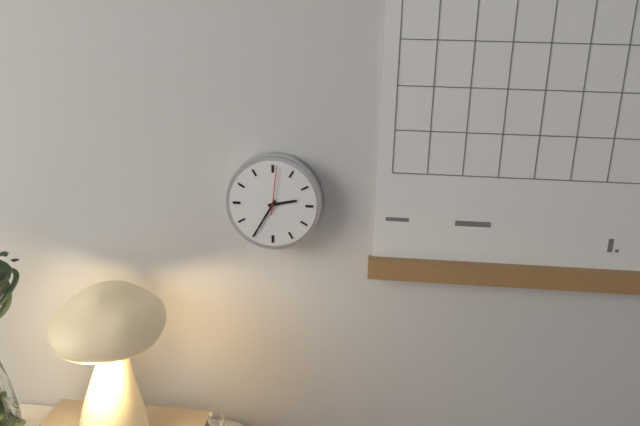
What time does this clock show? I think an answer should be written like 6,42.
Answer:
2,35
